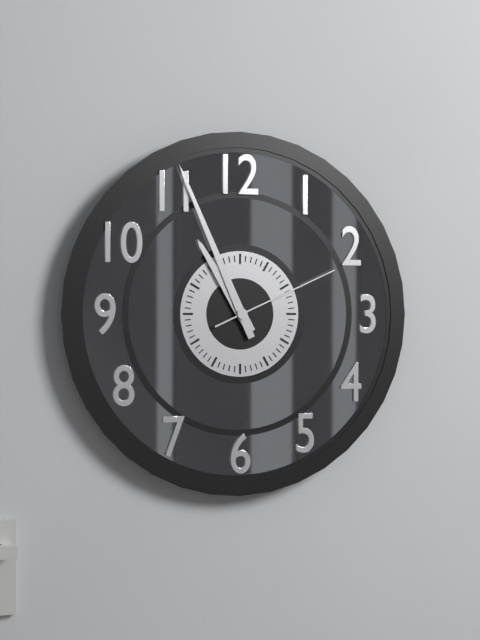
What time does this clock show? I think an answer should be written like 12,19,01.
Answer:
10,56,11
